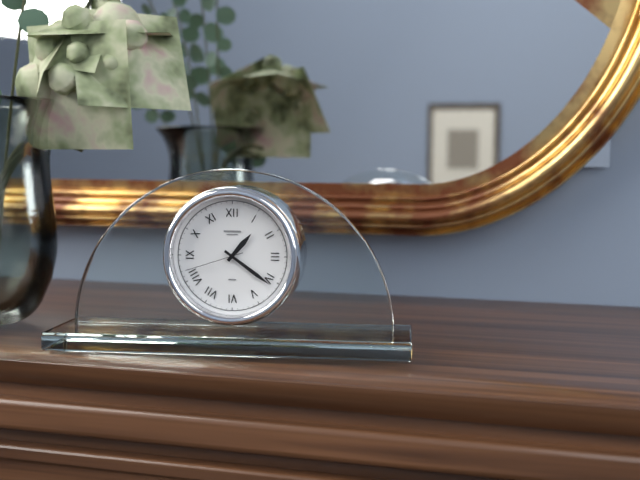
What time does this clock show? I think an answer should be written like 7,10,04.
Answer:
1,21,42
